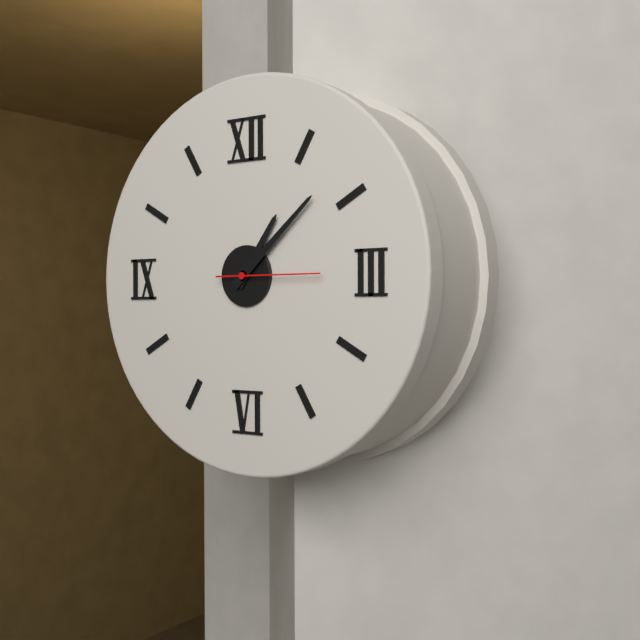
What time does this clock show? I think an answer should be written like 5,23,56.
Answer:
1,08,15
